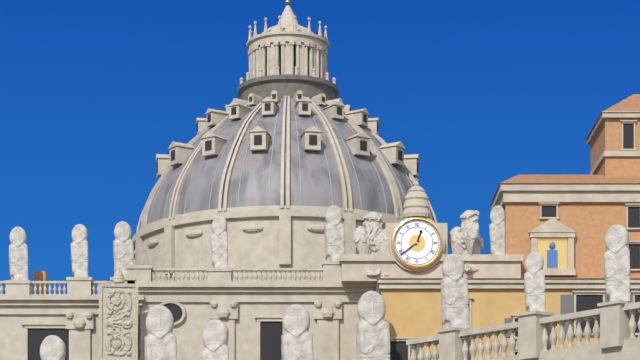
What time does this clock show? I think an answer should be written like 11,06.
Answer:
12,39
